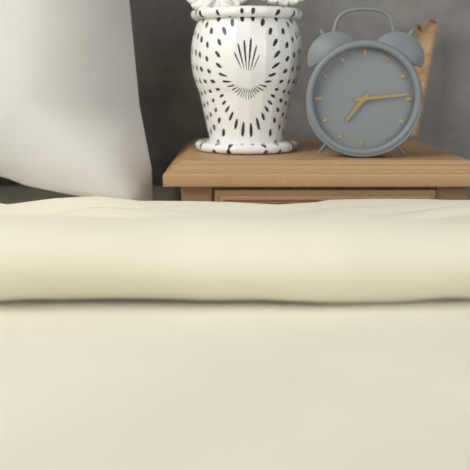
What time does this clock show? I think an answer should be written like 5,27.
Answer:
7,14
